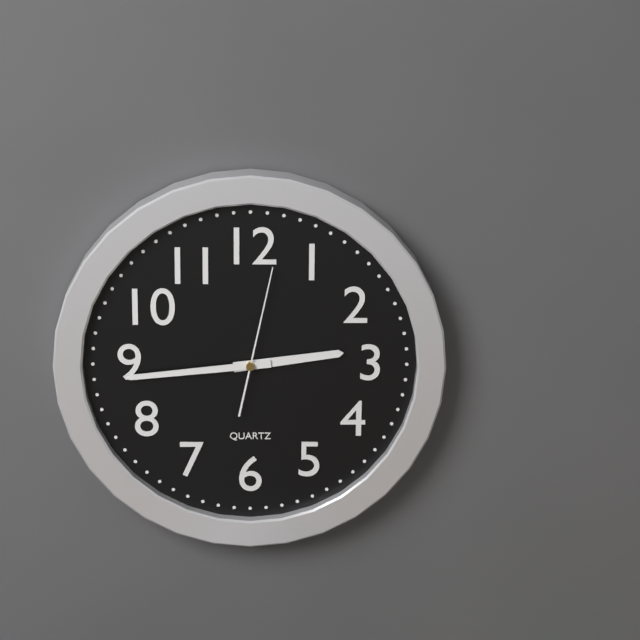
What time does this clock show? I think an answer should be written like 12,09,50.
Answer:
2,44,02
